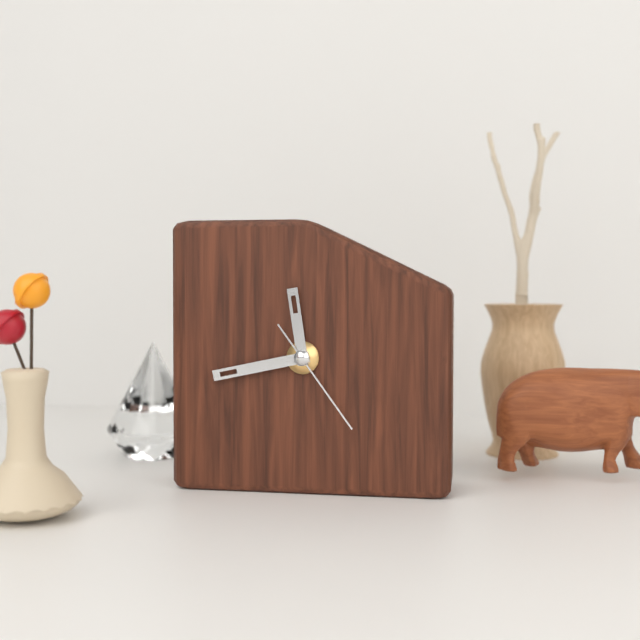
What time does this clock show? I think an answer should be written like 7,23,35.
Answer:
11,43,24
